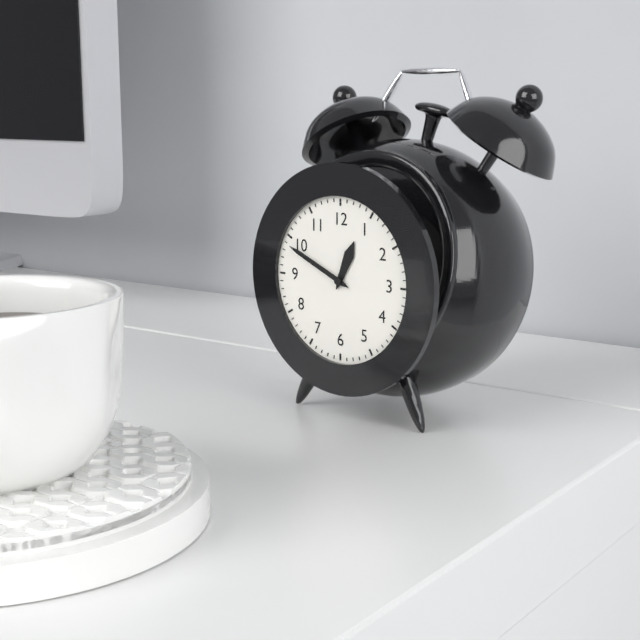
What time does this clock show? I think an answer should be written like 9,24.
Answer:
12,49
